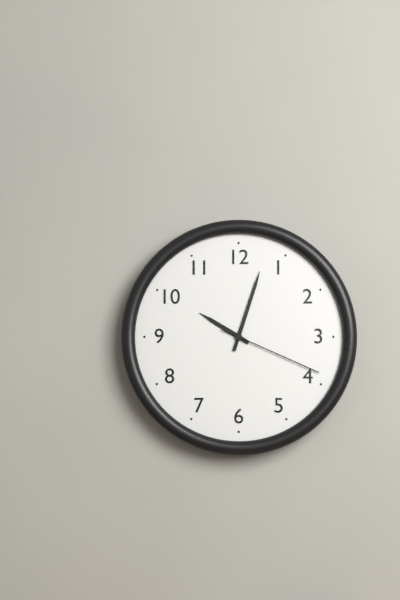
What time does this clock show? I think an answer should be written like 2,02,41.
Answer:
10,03,19
